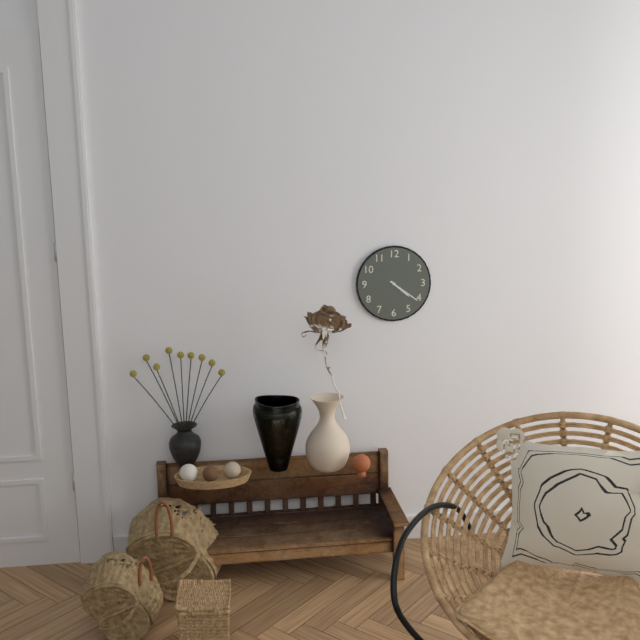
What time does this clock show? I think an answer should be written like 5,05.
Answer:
4,21
